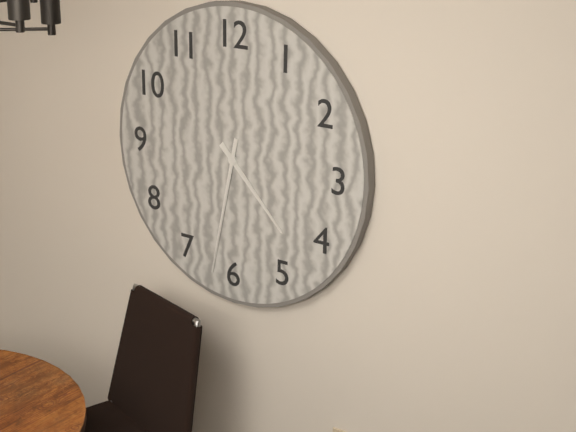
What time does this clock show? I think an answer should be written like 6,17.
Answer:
4,32
